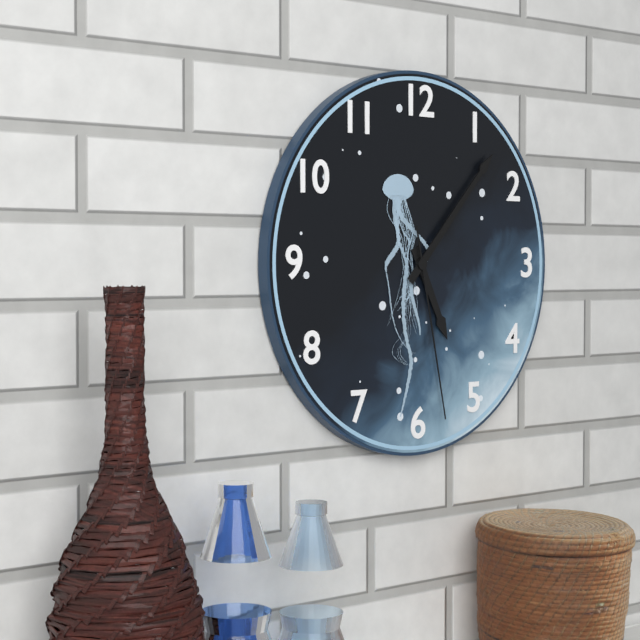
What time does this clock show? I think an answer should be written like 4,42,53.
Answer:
5,07,28
